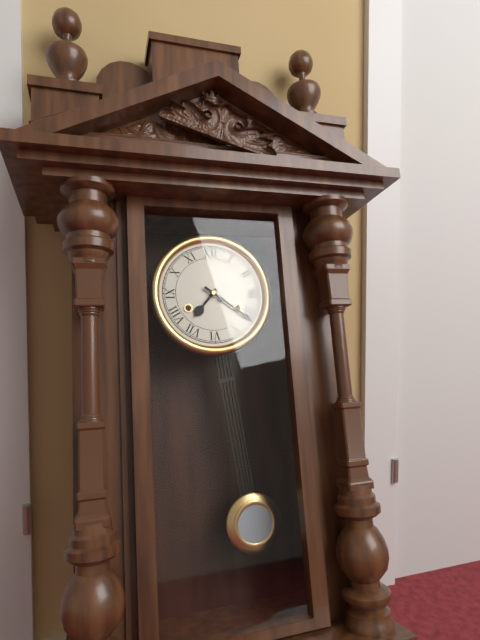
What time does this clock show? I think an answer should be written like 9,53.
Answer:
7,21
